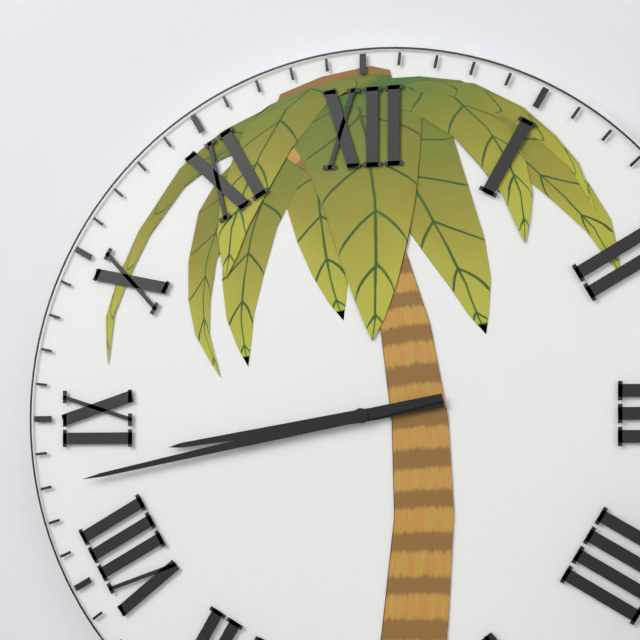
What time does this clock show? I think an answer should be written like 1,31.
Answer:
8,43
